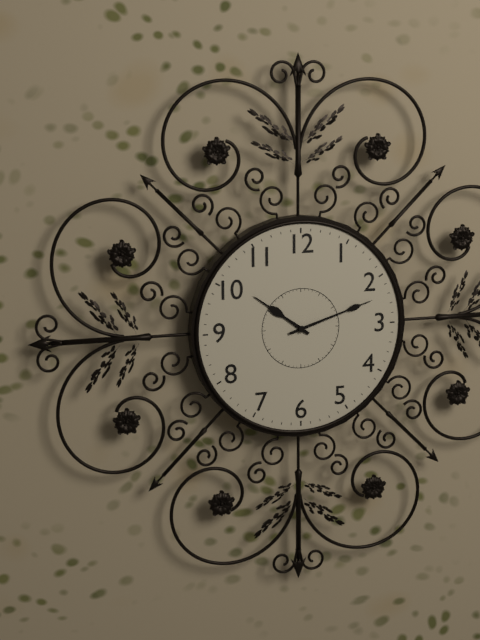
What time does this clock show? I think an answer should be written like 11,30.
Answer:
10,12
